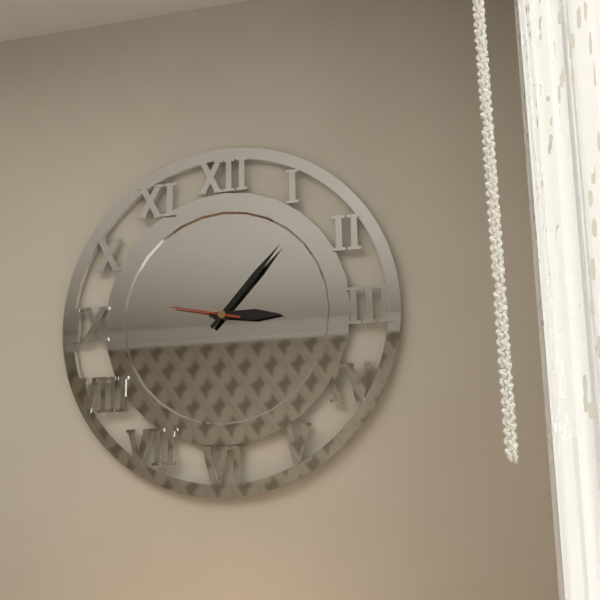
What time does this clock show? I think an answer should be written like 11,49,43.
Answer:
3,07,47
